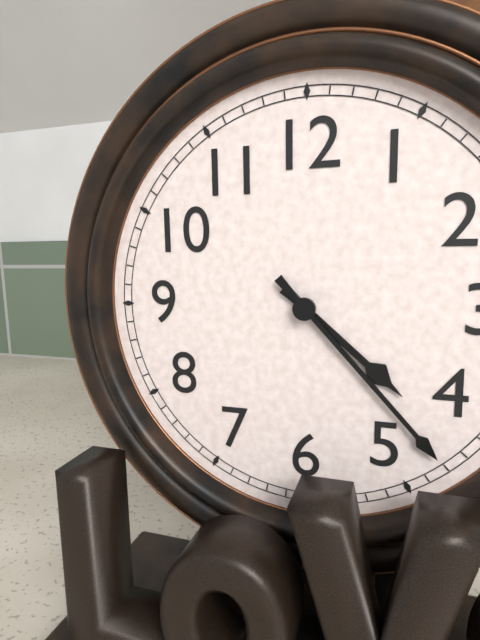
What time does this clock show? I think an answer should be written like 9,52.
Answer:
4,23
